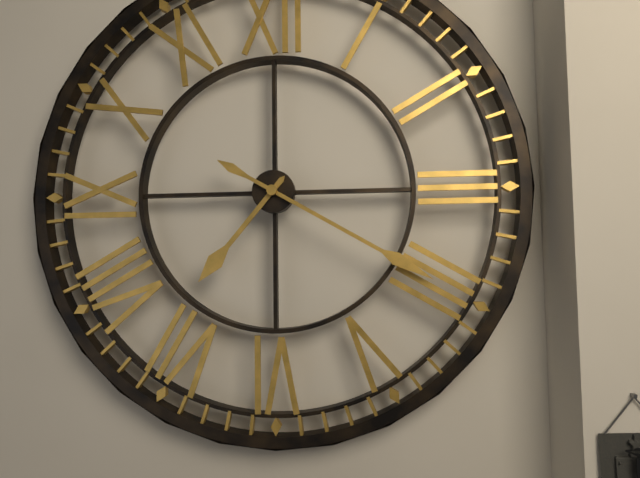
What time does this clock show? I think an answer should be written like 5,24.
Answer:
7,20
